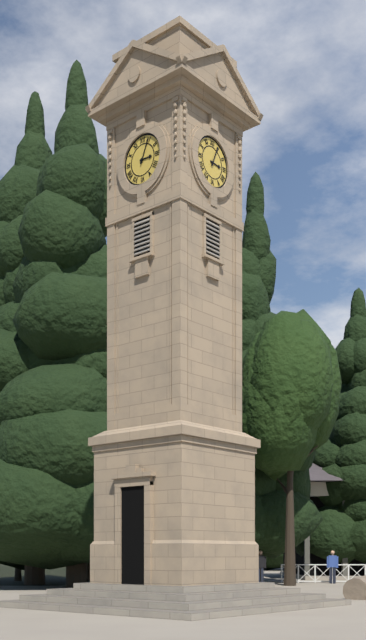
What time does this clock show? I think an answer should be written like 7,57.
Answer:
3,04
